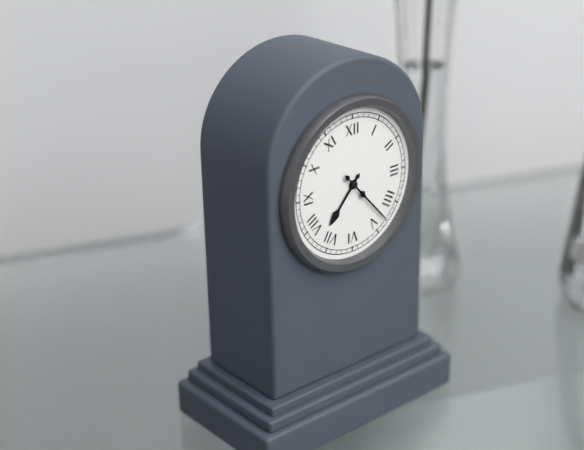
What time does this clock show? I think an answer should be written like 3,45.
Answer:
7,23
